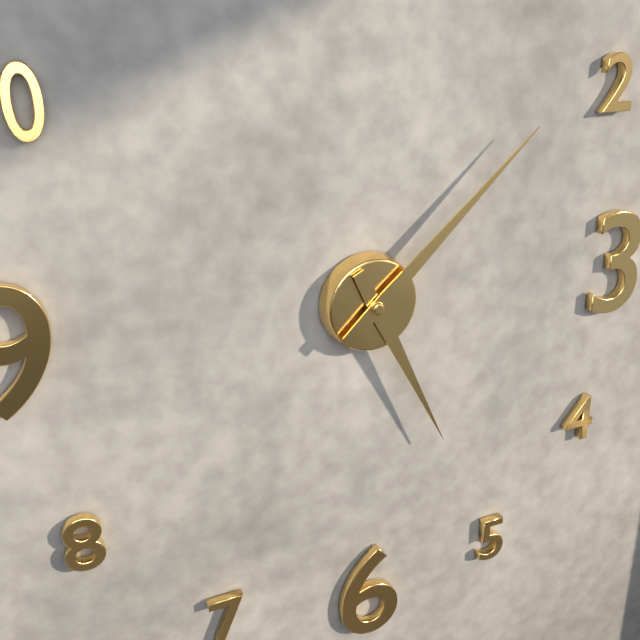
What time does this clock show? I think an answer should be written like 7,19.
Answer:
5,08
